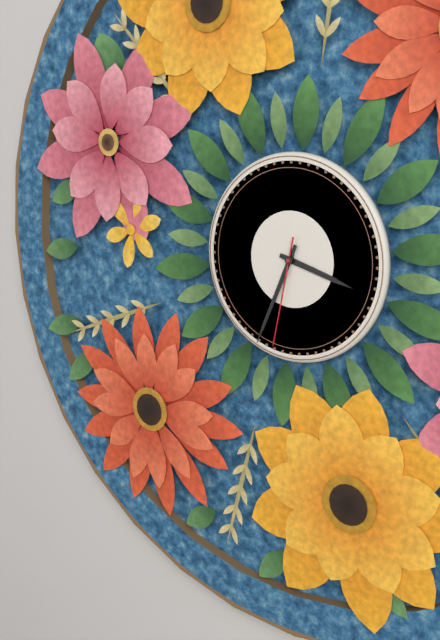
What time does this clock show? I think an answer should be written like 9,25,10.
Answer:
3,34,32
